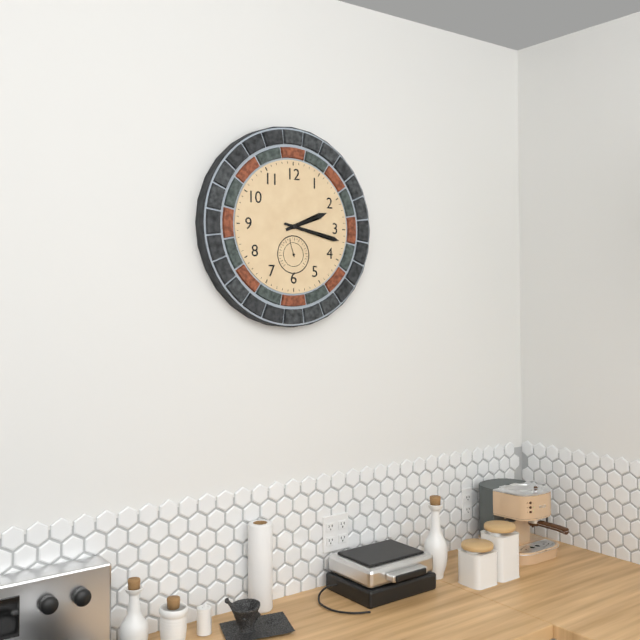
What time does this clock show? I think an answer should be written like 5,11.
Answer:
2,17
